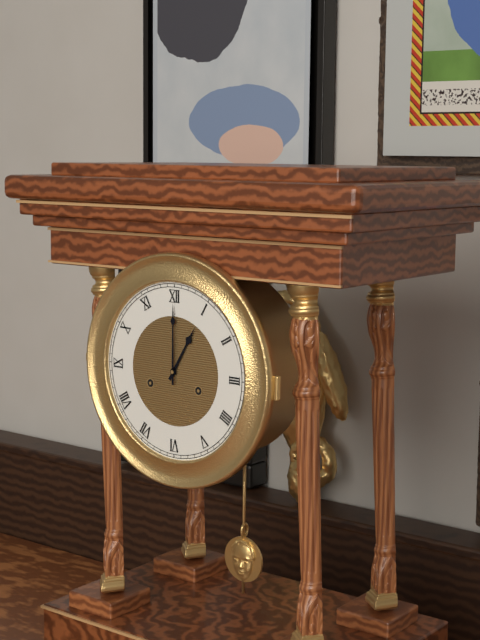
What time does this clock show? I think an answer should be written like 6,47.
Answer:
1,00
